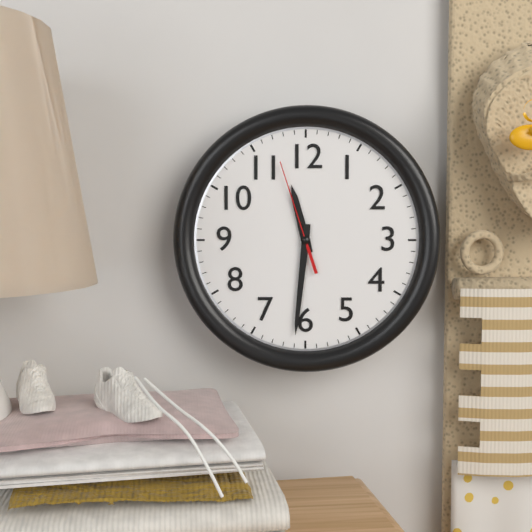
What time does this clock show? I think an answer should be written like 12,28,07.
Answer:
11,31,57
